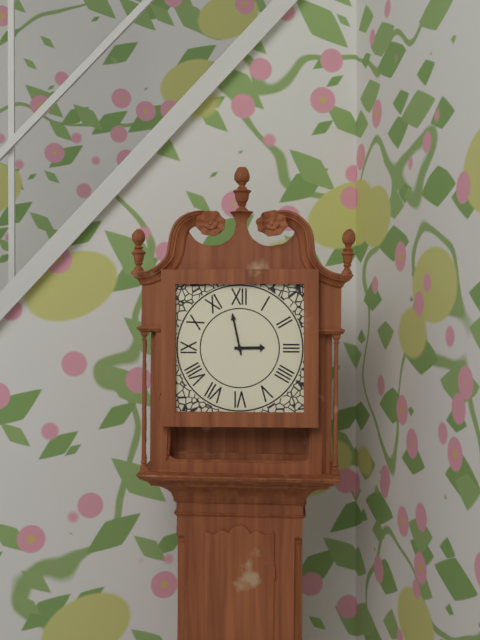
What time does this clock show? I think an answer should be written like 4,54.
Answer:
2,58
